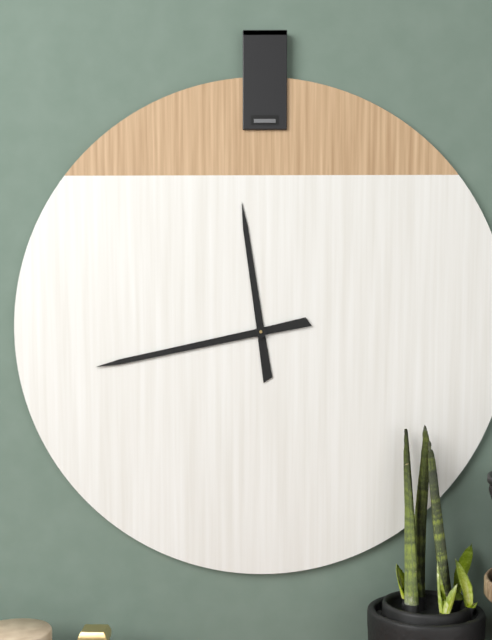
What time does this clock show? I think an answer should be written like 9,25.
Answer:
11,43
